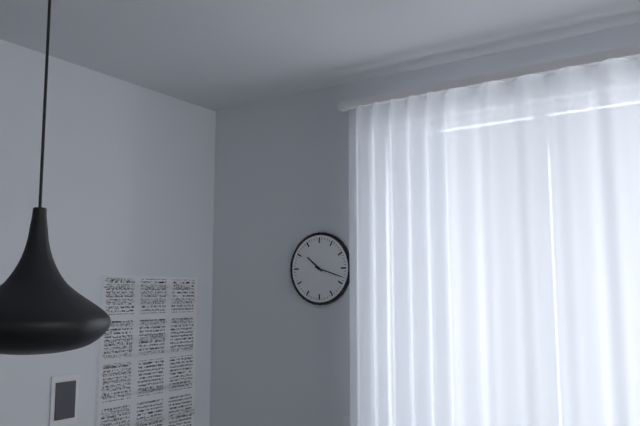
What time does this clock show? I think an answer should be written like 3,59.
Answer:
10,18
